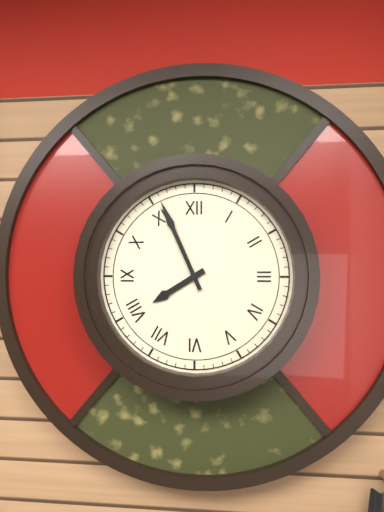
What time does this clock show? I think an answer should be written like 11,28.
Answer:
7,56
